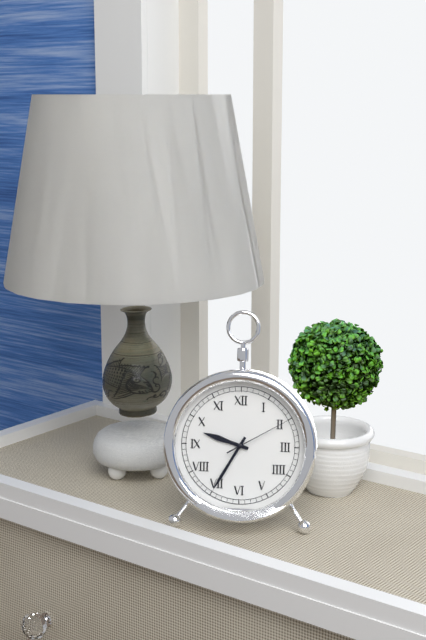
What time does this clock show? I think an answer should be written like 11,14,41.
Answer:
9,35,10
